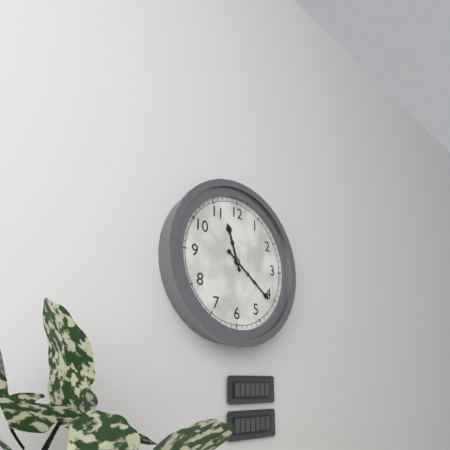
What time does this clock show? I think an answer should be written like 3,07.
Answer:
11,21
